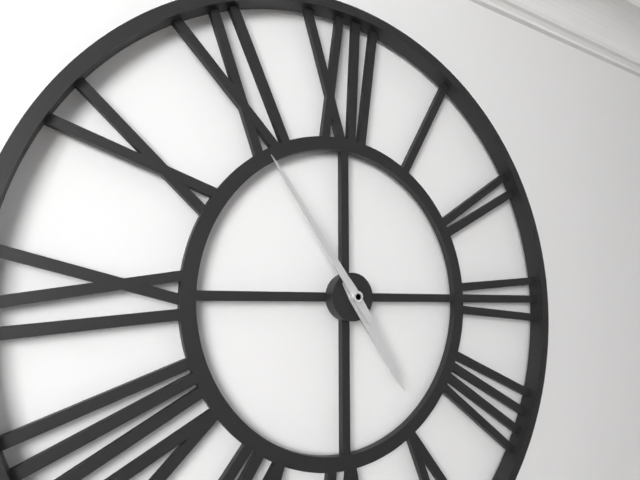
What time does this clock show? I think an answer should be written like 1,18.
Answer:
4,54
